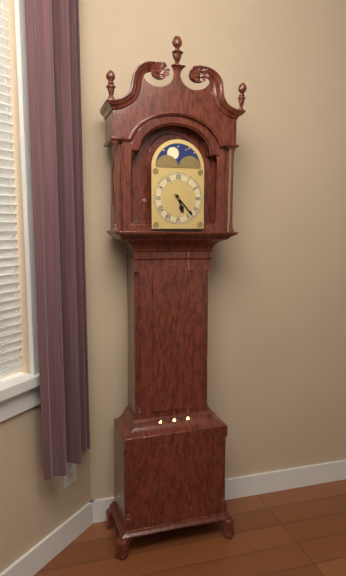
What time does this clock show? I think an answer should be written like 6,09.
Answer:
5,23
